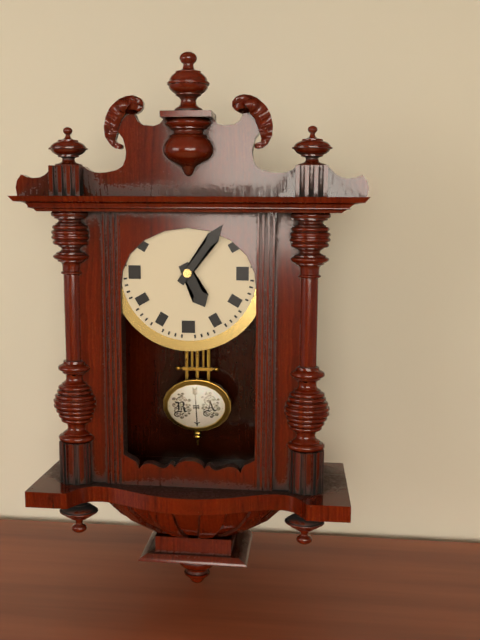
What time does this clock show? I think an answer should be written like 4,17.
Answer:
5,06
